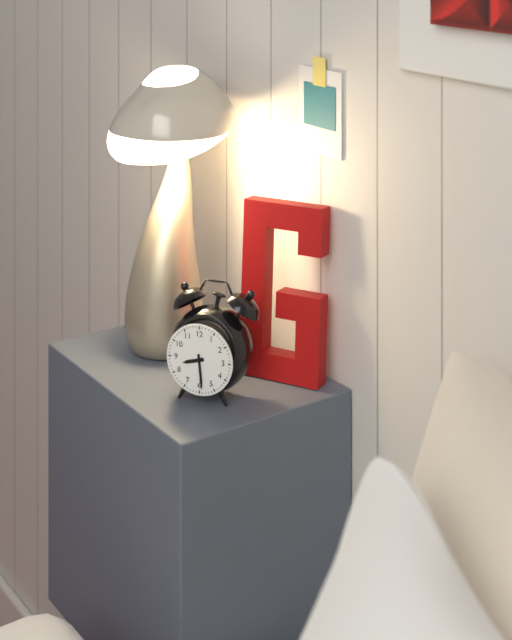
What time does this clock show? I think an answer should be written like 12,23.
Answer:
8,29
